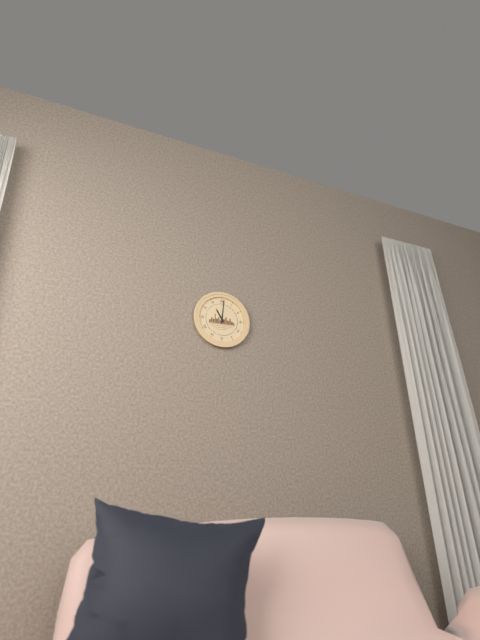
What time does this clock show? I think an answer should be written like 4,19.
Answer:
11,01
